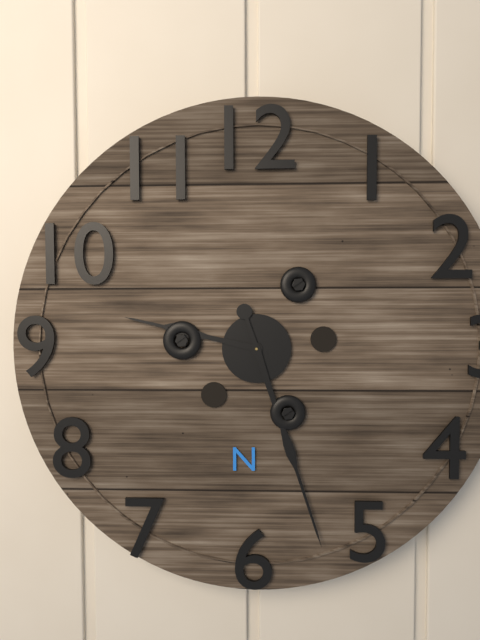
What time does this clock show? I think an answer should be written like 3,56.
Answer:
9,27
